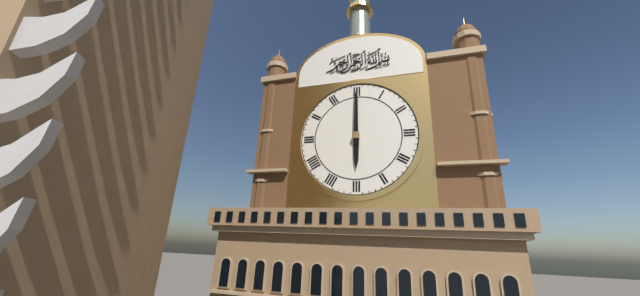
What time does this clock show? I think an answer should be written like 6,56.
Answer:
6,00
